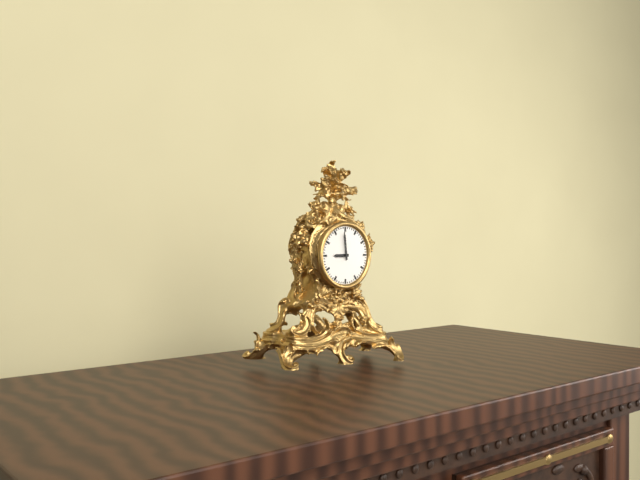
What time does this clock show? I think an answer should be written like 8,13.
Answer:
8,59
